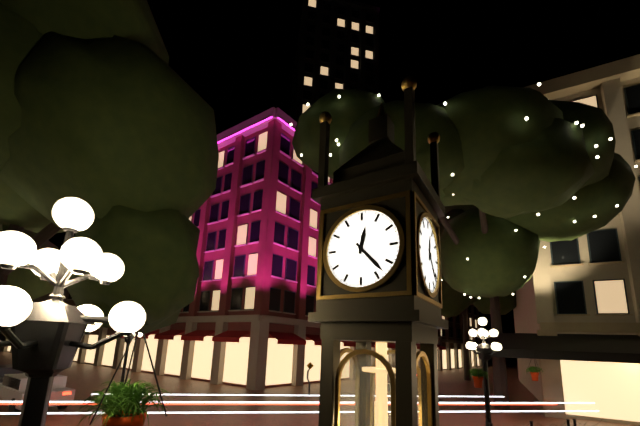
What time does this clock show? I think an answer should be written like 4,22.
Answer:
12,23
